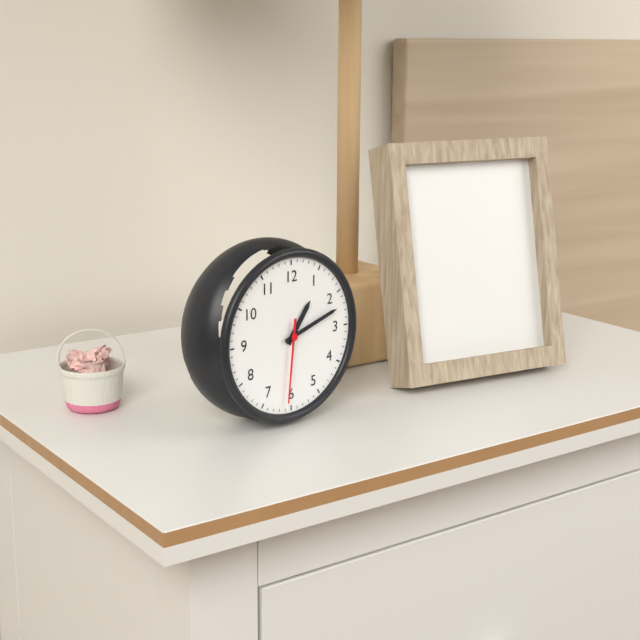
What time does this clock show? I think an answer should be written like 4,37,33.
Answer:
1,12,31
